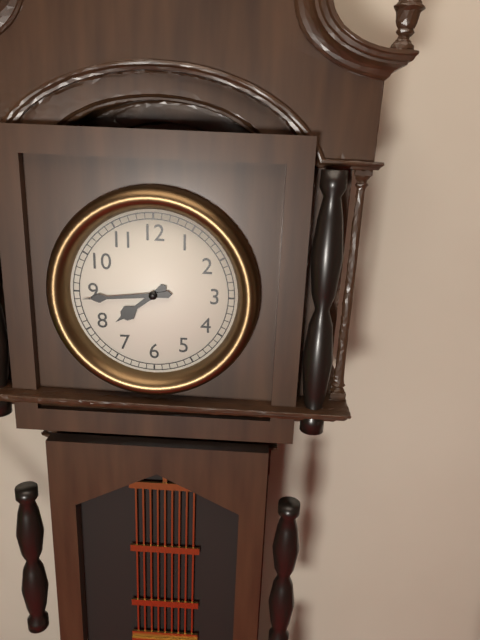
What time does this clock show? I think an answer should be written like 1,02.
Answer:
7,44
